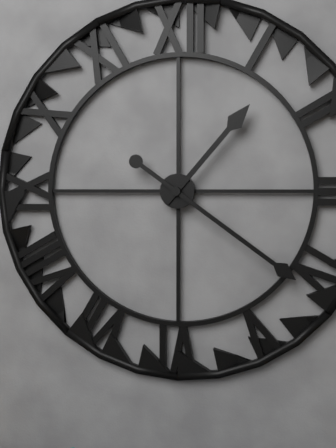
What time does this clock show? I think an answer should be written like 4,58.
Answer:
1,21
